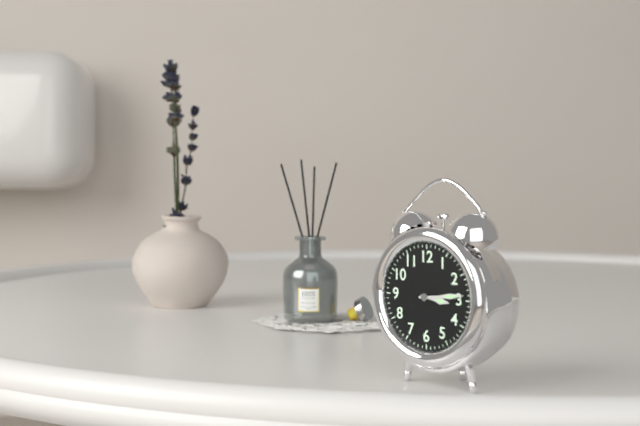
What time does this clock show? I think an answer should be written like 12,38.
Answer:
3,14
